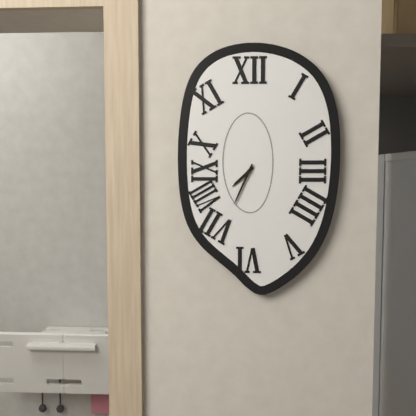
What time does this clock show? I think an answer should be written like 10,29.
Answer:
7,34
